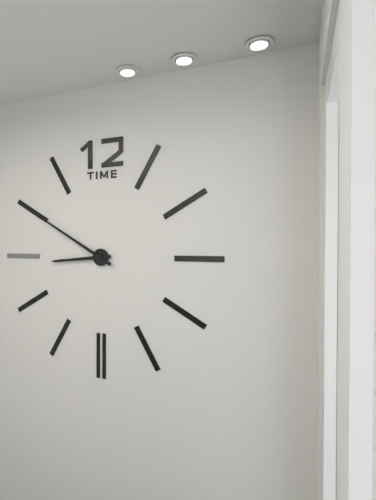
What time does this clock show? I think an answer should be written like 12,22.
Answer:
8,50
